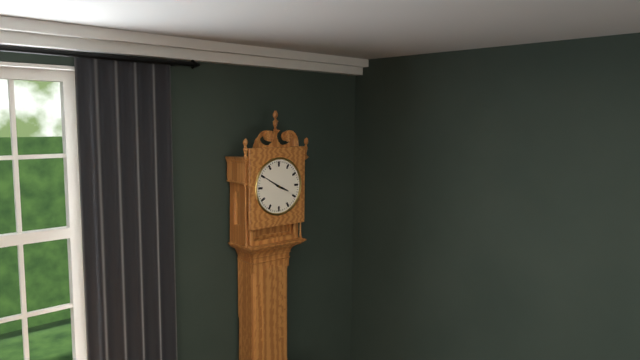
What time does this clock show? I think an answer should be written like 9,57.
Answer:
3,50
